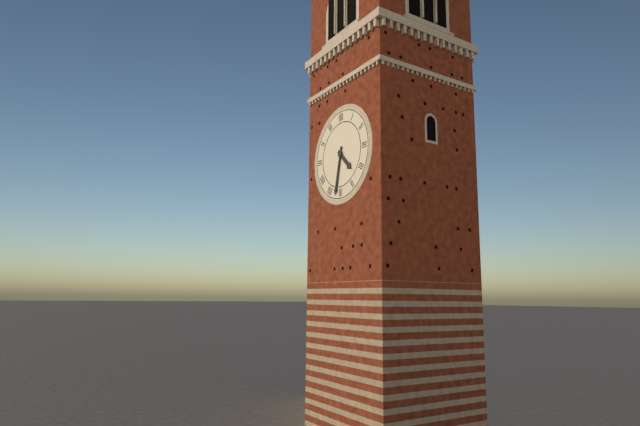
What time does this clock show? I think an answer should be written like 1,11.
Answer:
4,32
